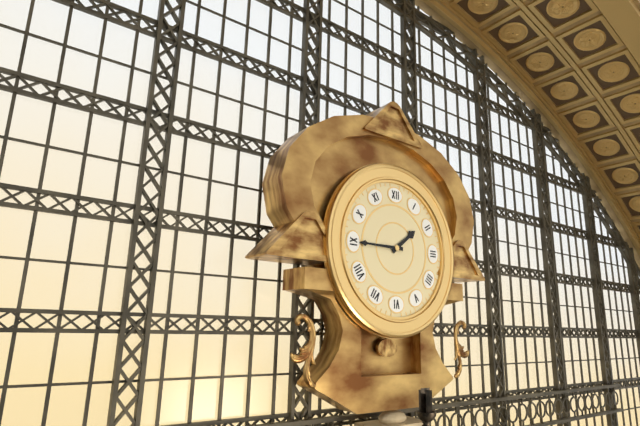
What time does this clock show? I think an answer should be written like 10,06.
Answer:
1,45
